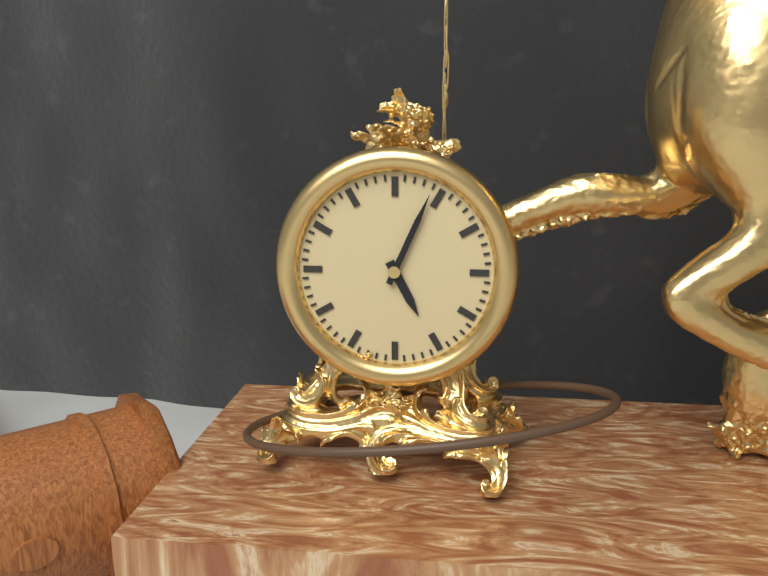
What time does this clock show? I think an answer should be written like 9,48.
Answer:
5,04
